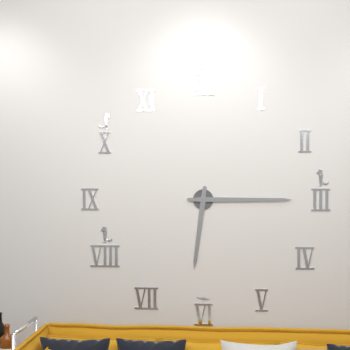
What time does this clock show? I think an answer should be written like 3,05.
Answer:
6,15
